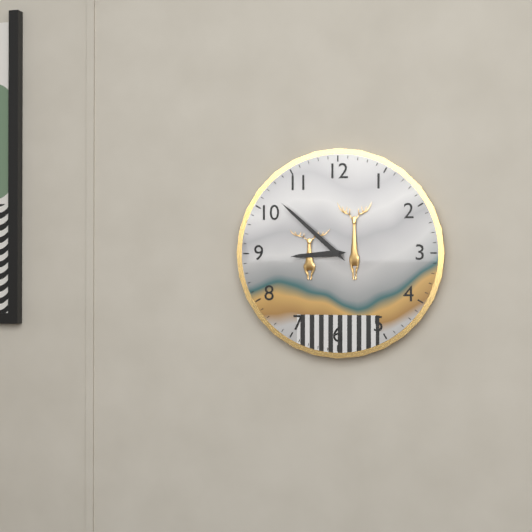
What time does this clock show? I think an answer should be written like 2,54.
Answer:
8,52
